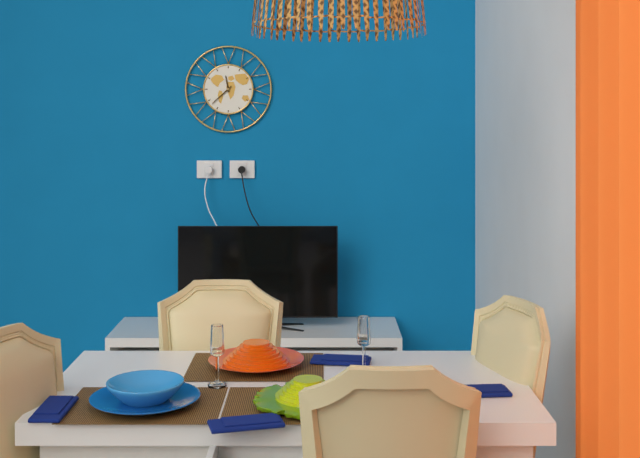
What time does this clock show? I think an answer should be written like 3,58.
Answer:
11,38
